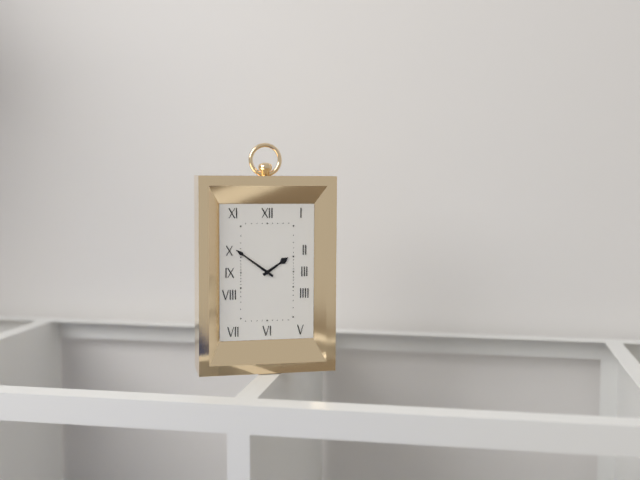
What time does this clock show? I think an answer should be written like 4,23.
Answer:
1,51
